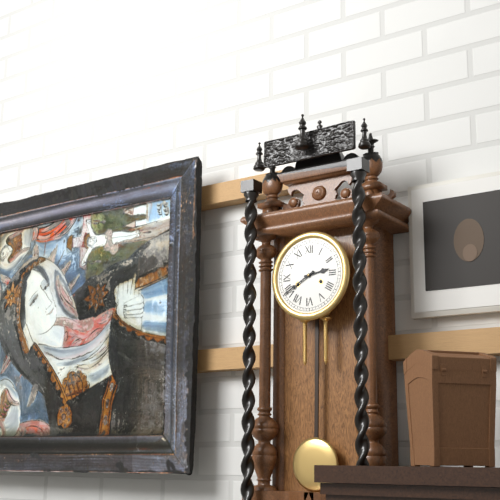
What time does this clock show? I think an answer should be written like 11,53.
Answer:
2,40
